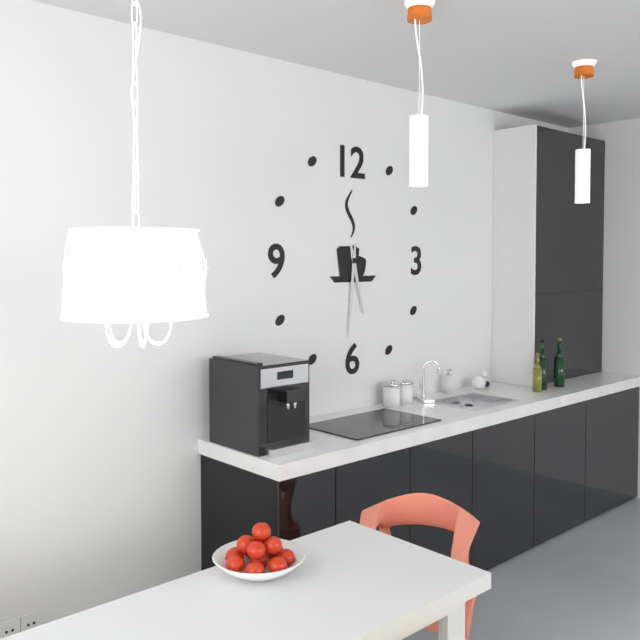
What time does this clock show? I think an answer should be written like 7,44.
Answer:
5,31
